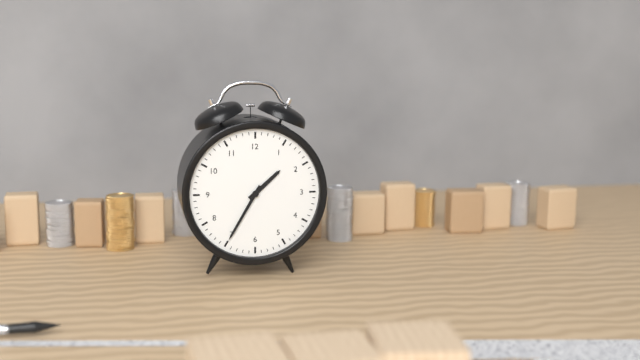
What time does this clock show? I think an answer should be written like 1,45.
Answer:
1,35
